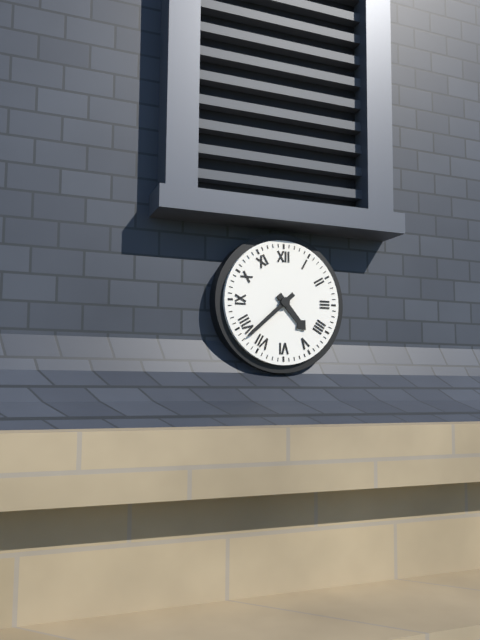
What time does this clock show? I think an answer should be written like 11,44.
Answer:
4,38
